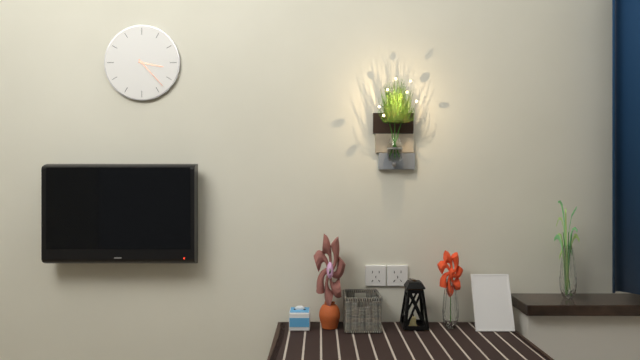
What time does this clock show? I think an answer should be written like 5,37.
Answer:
3,23
